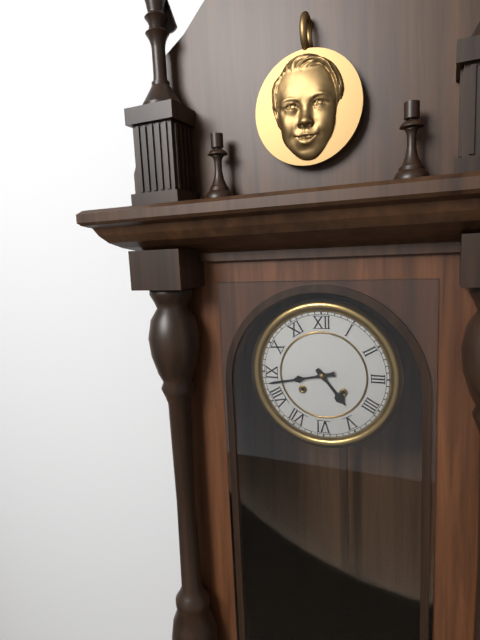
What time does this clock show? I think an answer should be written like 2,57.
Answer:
4,43
